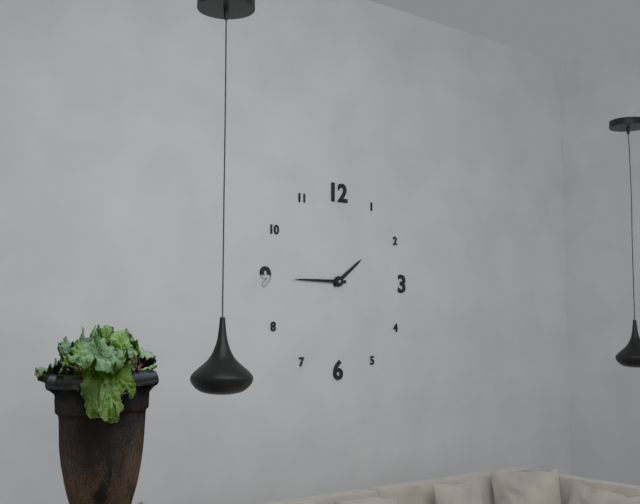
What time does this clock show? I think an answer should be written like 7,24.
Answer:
1,45
